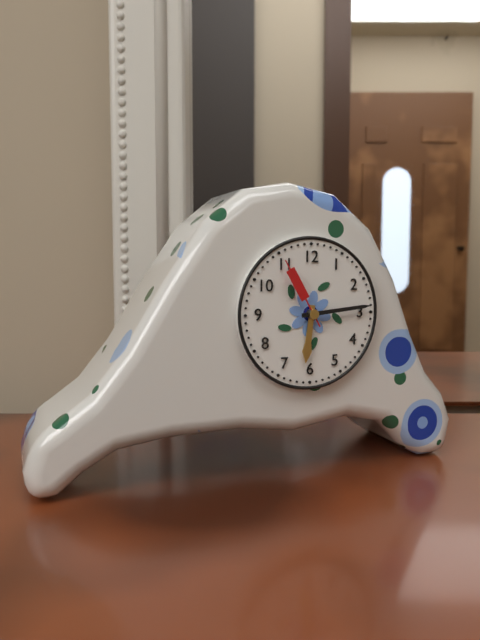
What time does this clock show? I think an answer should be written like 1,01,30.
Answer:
6,14,55
